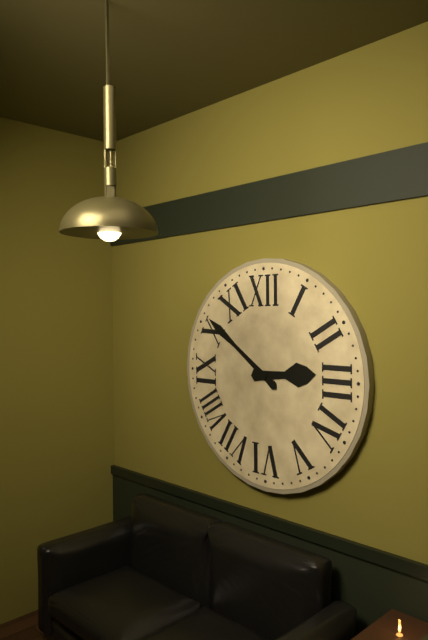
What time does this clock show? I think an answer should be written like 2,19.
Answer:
2,51
